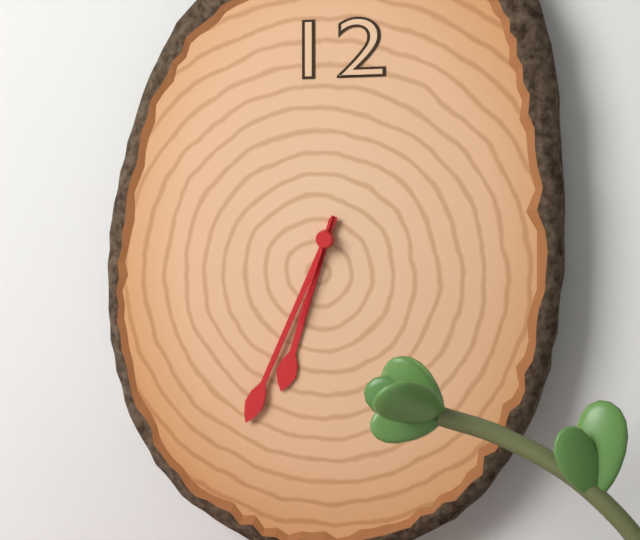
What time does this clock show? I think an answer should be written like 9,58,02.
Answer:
6,34,33
